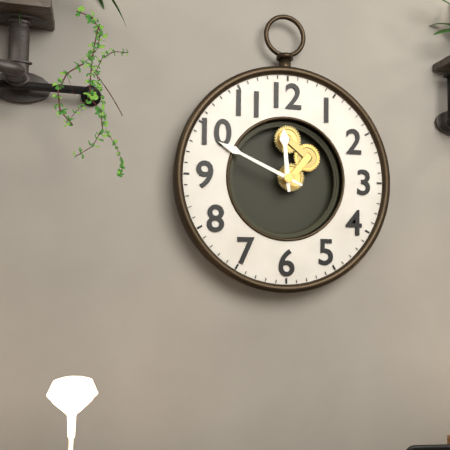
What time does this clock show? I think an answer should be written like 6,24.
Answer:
11,49
